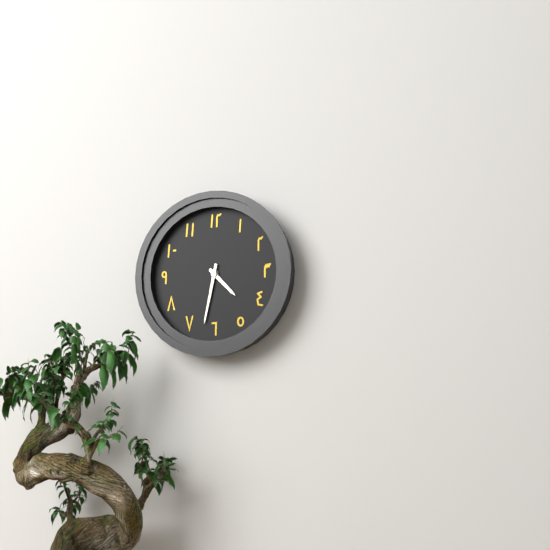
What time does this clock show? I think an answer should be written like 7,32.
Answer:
4,32
